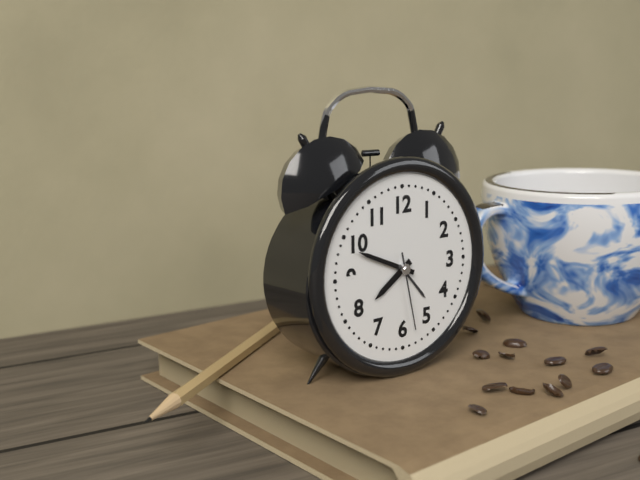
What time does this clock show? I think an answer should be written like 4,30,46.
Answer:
7,49,28
